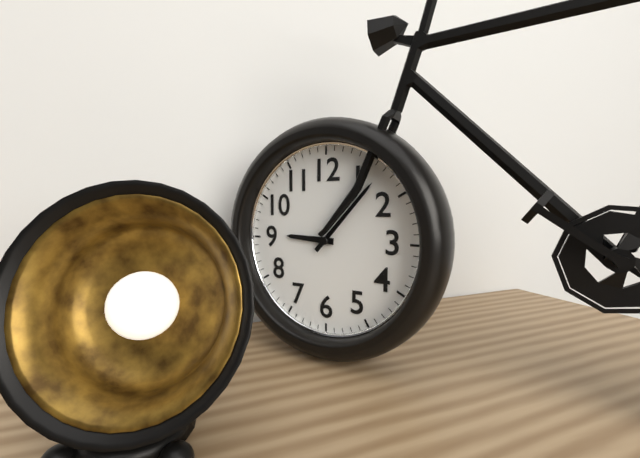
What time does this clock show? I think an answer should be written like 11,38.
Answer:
9,07
